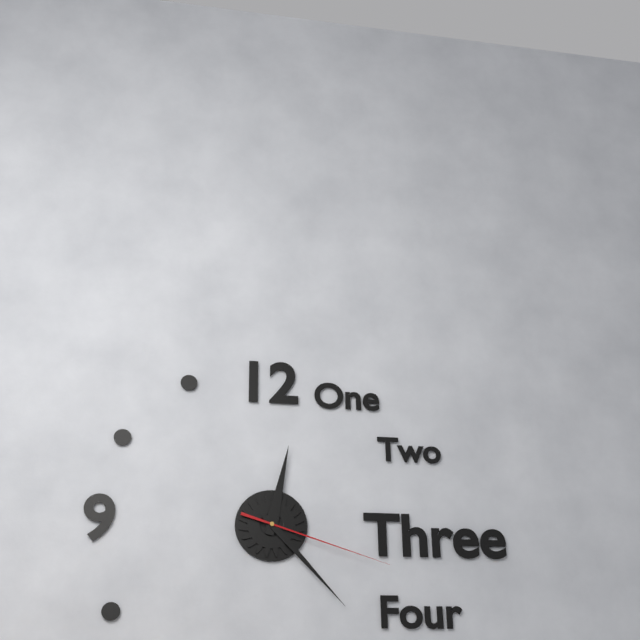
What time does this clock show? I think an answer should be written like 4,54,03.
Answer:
12,23,18
